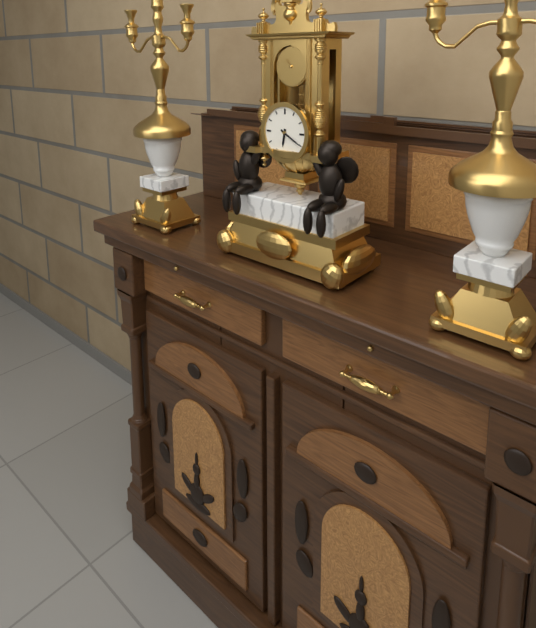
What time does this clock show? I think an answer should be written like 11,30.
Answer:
6,20
